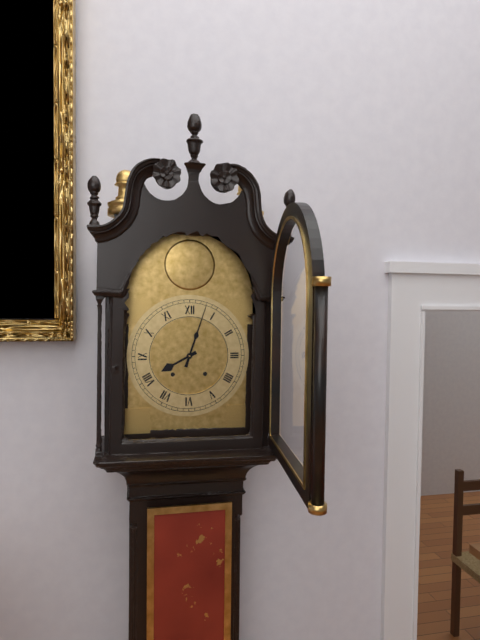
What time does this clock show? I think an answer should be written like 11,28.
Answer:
8,03
